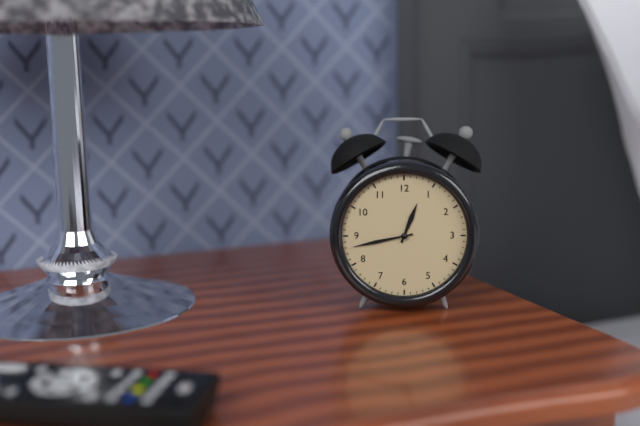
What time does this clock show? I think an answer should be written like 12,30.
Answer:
12,43
